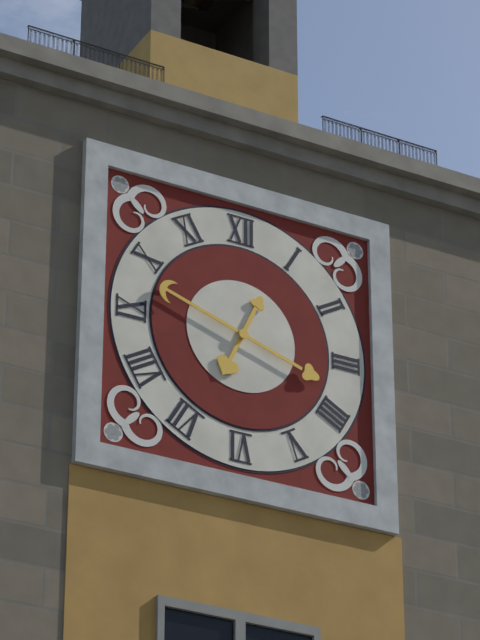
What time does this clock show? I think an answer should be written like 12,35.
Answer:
6,48
